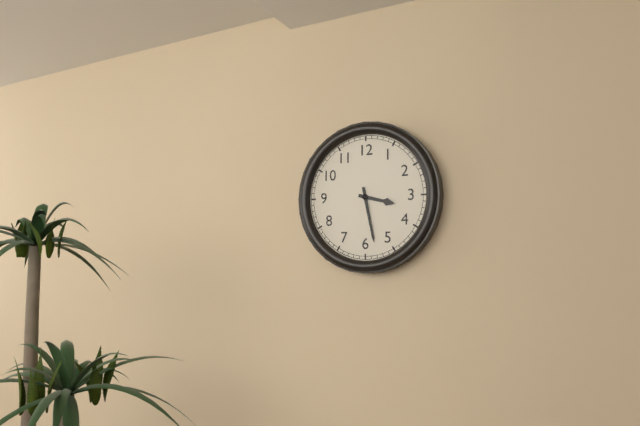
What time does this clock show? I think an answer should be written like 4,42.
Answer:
3,28
